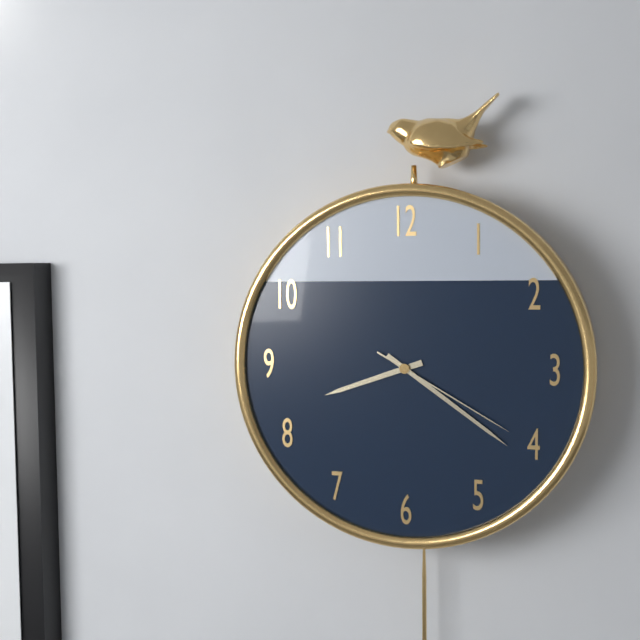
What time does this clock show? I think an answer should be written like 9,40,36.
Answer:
8,21,20
